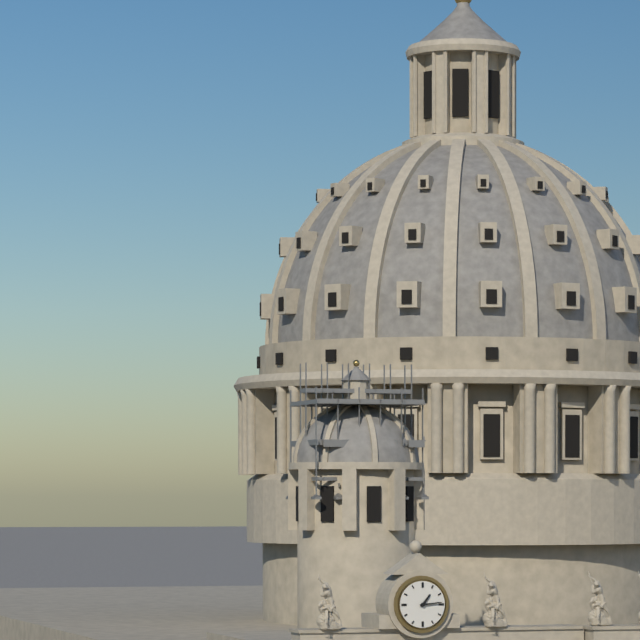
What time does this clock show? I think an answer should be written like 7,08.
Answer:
1,14
